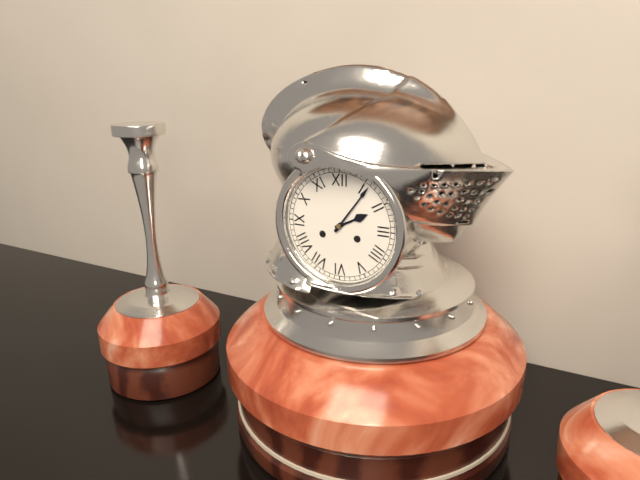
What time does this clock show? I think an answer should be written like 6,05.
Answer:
2,06
